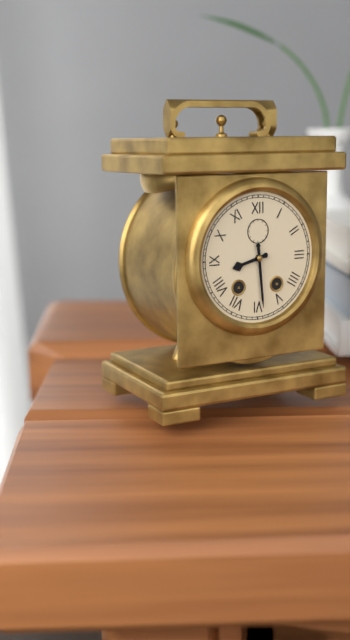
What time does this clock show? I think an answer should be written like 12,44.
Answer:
8,29
